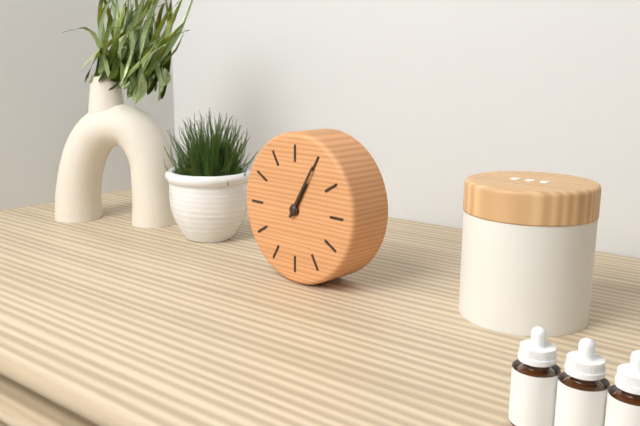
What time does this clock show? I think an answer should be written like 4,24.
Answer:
1,05
